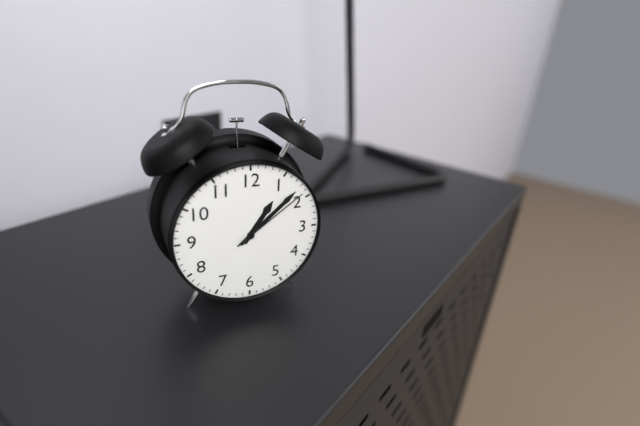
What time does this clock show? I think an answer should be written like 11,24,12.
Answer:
1,08,09
